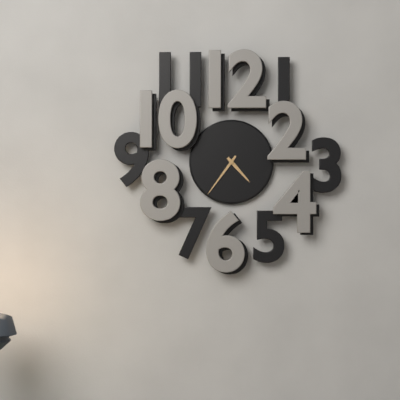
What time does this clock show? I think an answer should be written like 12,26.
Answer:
4,36
